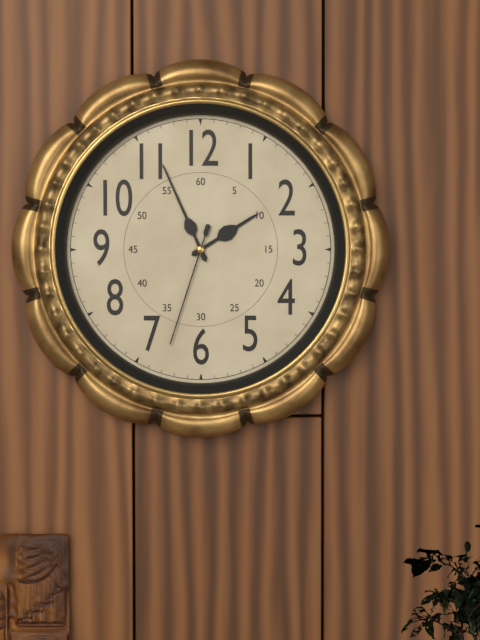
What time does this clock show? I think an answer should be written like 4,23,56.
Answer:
1,56,33
